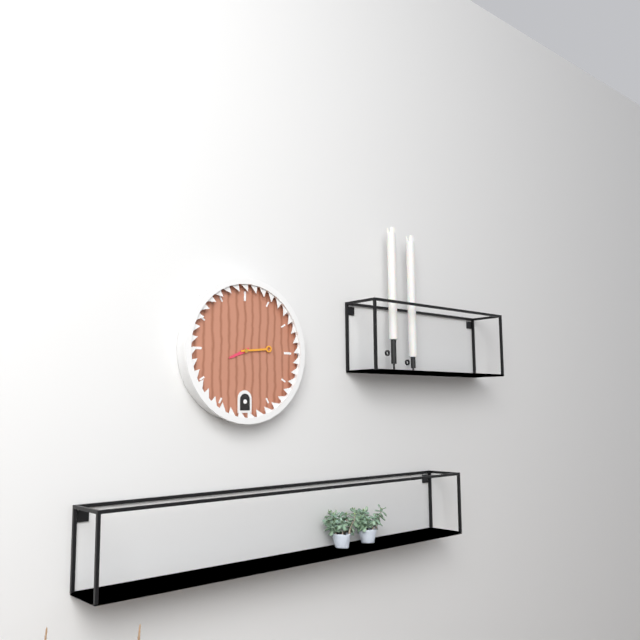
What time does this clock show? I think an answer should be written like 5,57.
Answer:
8,14
